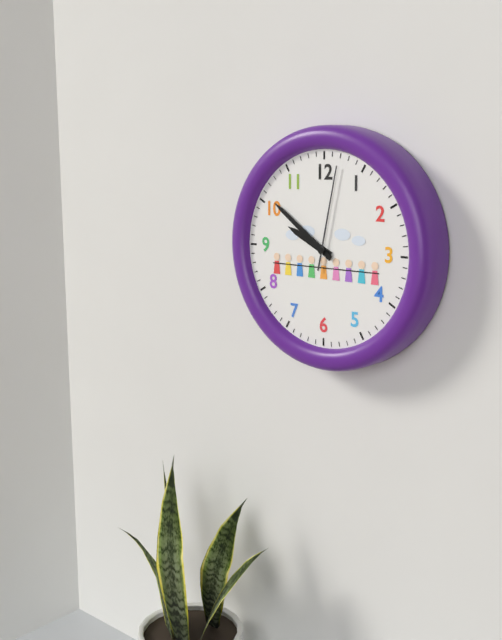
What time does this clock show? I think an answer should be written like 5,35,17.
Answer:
9,51,02
